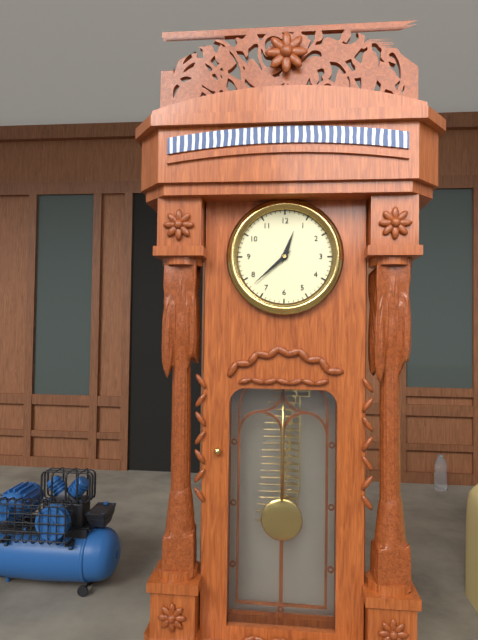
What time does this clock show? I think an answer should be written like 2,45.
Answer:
12,38
